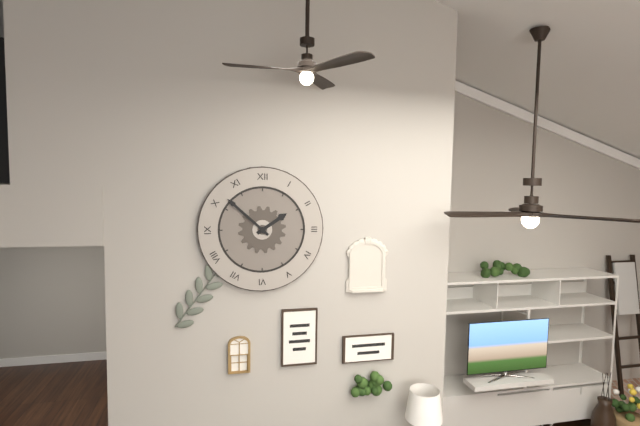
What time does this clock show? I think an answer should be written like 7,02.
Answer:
1,52
